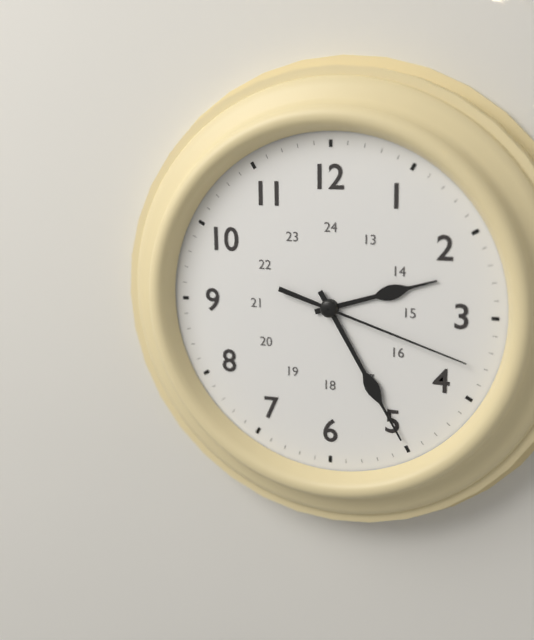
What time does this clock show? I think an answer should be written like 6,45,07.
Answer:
2,25,18
